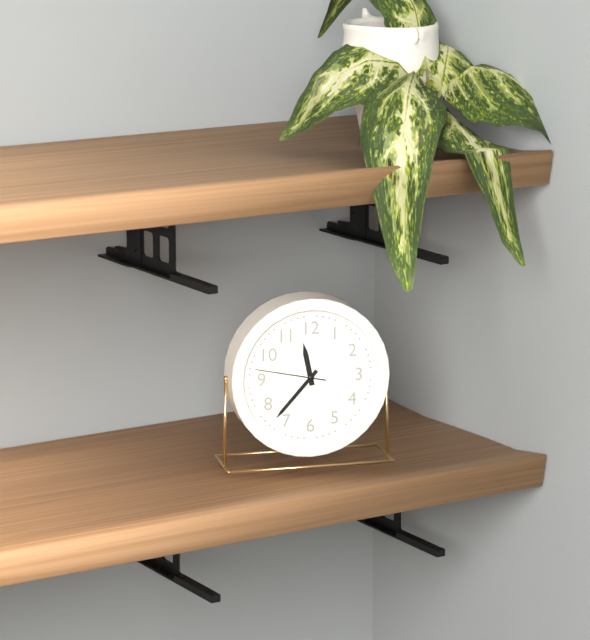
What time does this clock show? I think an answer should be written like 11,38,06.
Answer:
11,37,47
